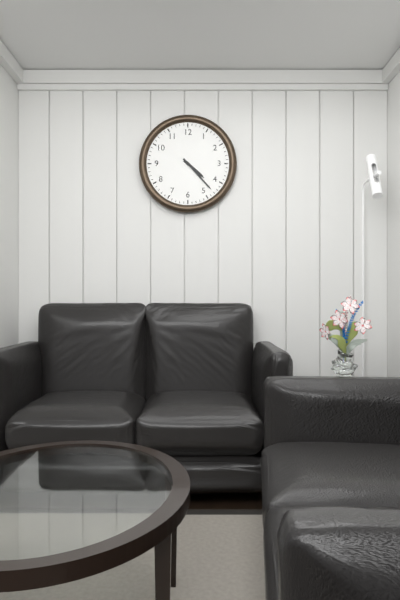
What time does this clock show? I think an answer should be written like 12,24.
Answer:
4,23
